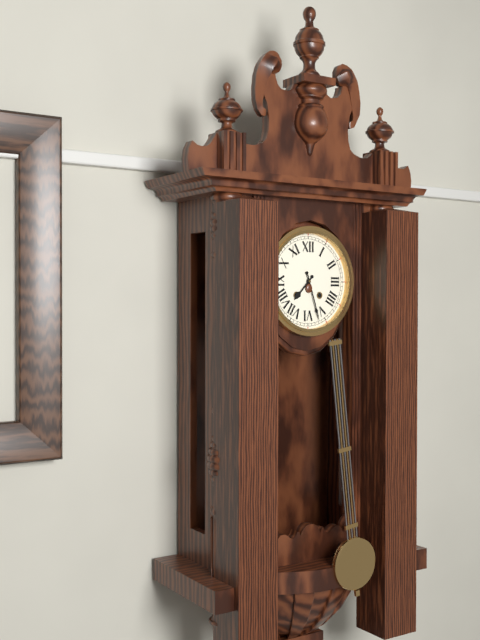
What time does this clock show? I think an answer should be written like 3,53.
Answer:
7,27
